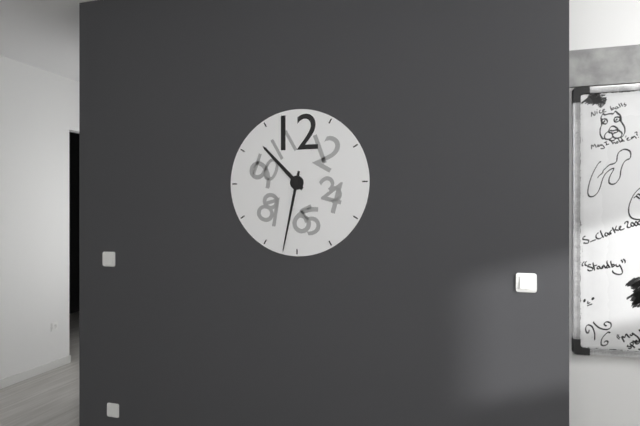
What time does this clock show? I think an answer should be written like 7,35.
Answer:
10,32
